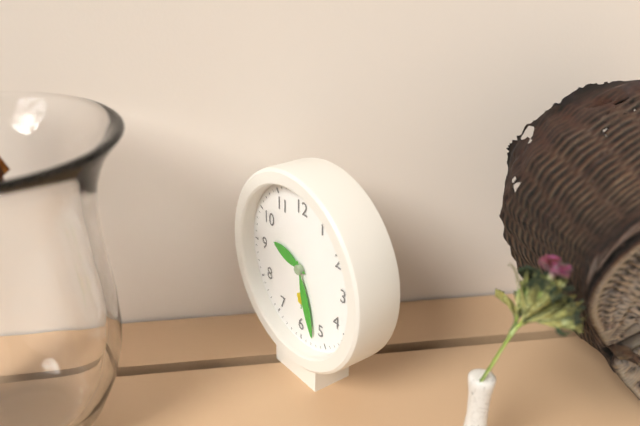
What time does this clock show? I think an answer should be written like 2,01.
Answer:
9,27
